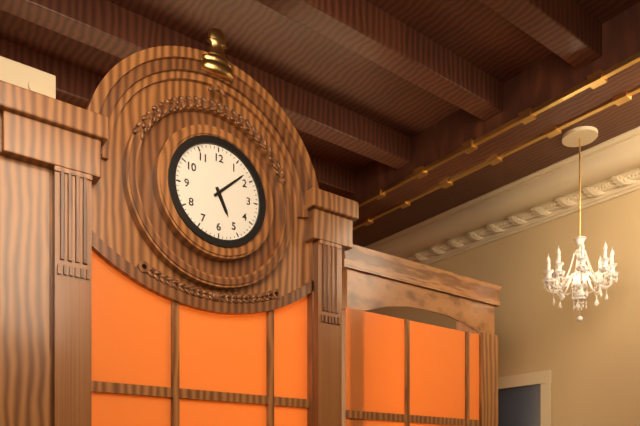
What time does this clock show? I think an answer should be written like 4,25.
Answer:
5,08
